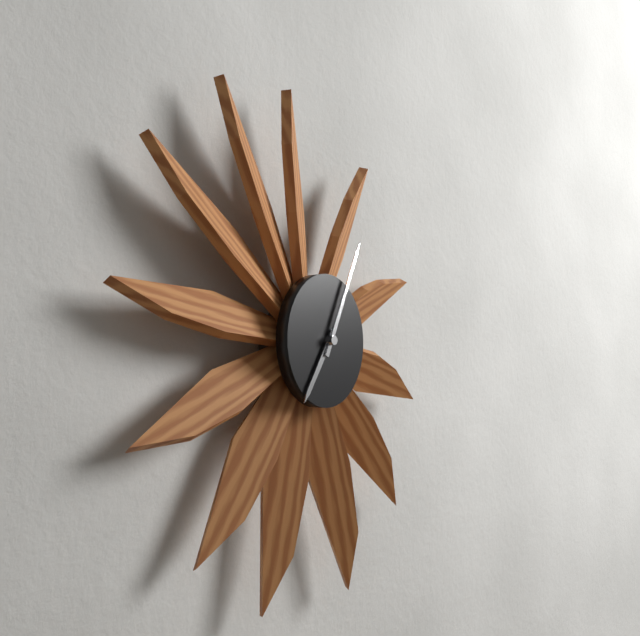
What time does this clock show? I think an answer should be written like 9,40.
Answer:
7,04
